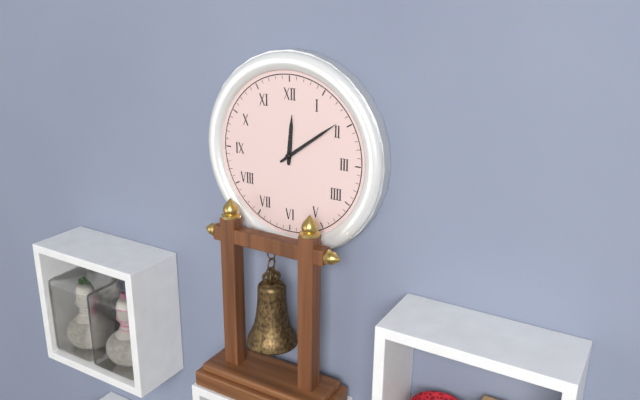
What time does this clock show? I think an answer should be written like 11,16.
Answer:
12,09
